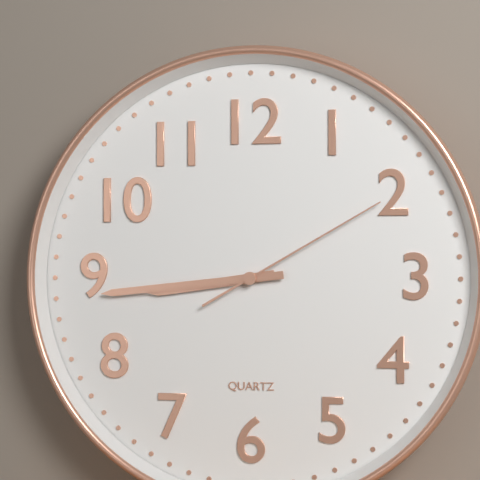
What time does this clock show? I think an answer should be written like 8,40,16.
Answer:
8,44,10
